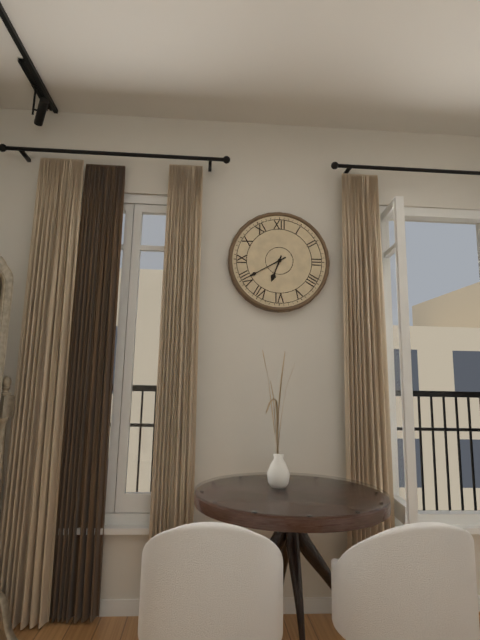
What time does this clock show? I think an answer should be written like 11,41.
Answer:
6,40
